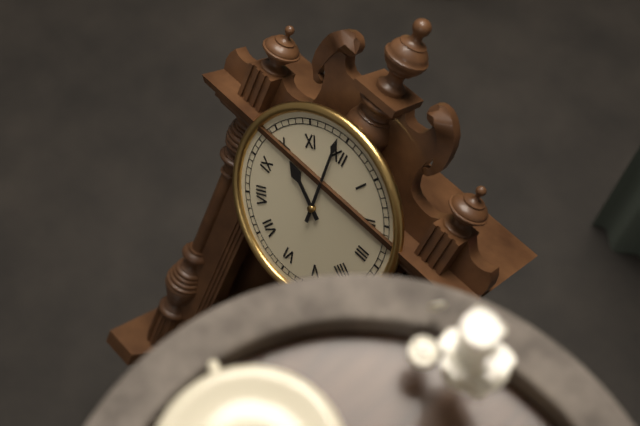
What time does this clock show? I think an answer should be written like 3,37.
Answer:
9,59
